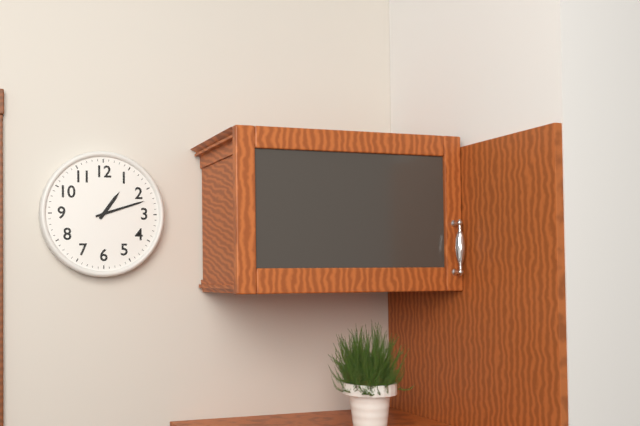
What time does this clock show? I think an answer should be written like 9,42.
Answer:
1,12
